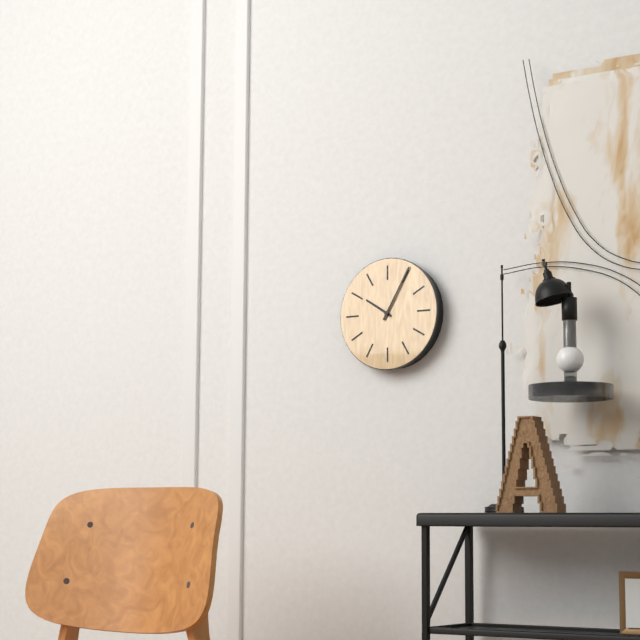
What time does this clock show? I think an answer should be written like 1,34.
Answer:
10,05
